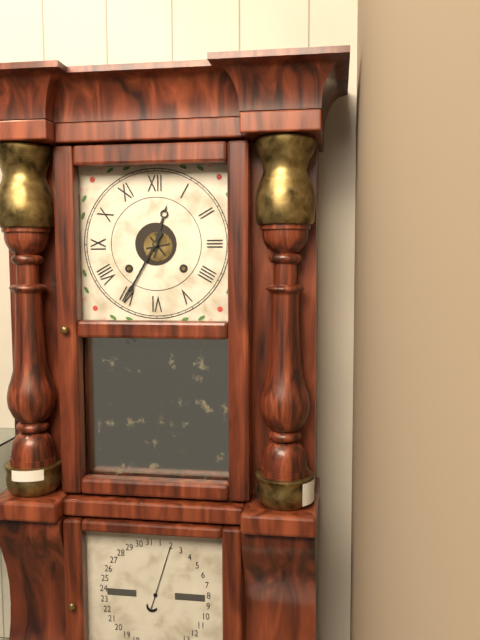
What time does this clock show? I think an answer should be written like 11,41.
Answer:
12,35
